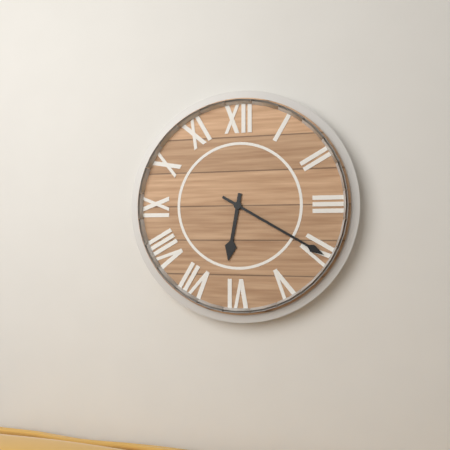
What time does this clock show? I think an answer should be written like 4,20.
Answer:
6,20
